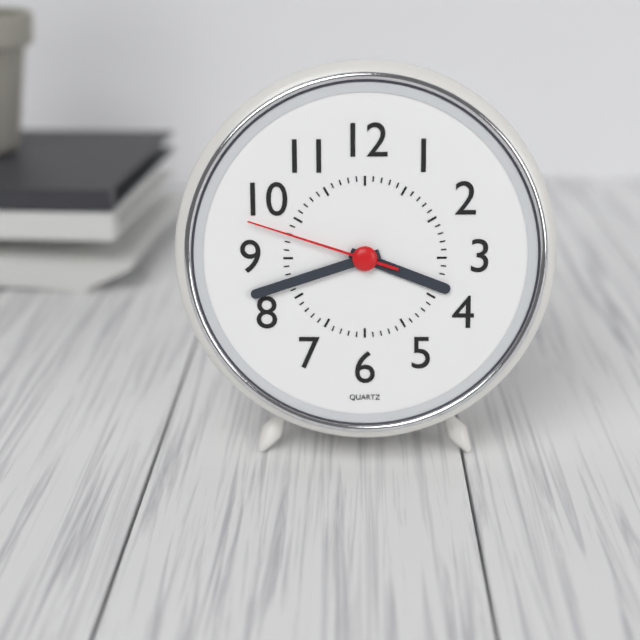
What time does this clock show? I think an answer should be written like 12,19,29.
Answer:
3,42,48
